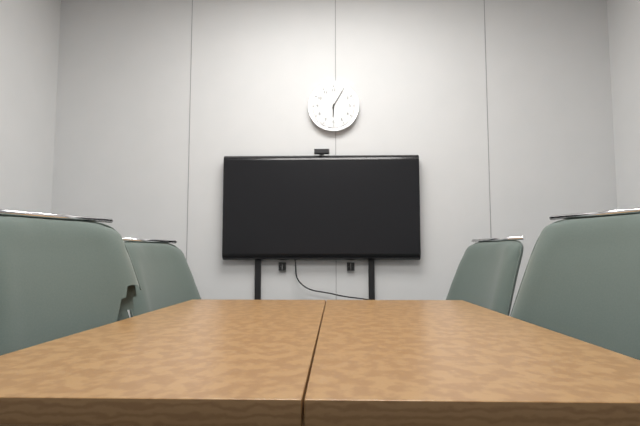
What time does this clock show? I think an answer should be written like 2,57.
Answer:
6,05
